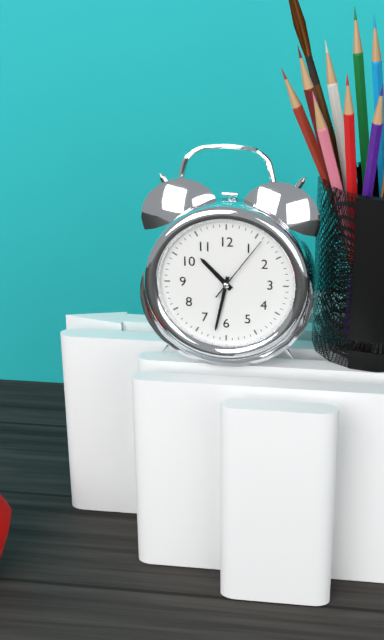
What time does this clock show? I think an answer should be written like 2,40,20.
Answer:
10,32,06
